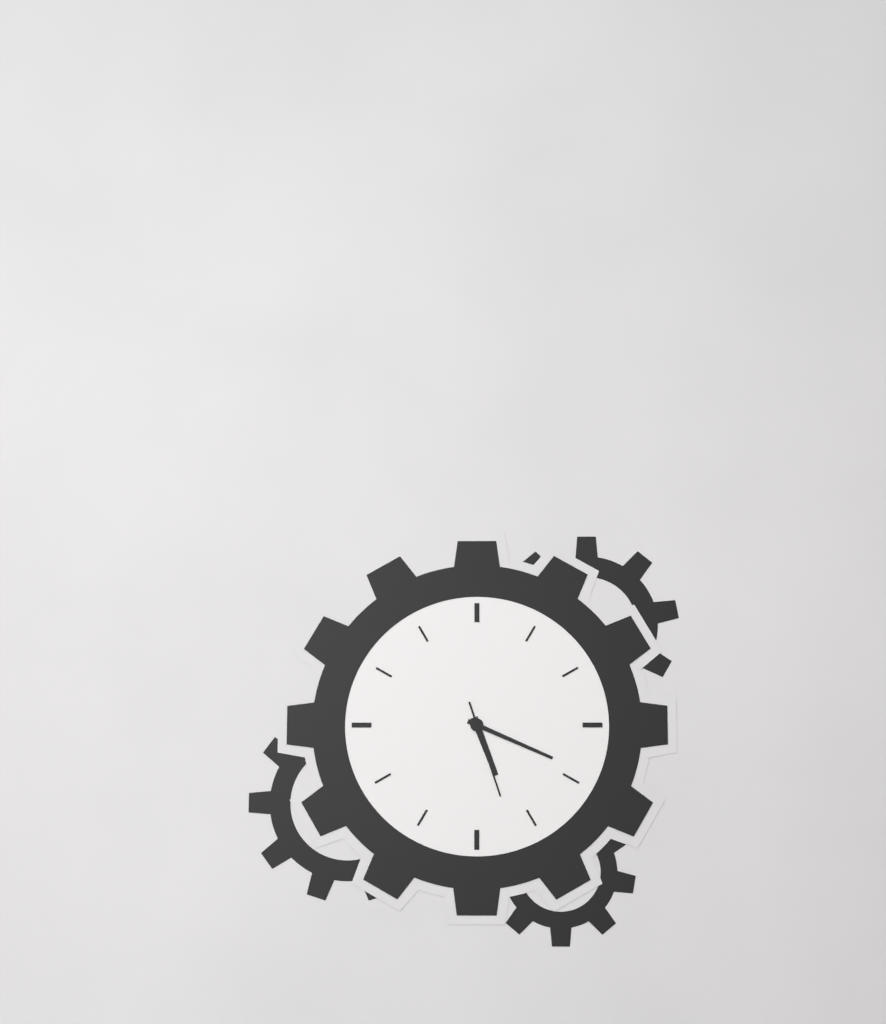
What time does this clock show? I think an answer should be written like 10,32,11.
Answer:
5,19,27
